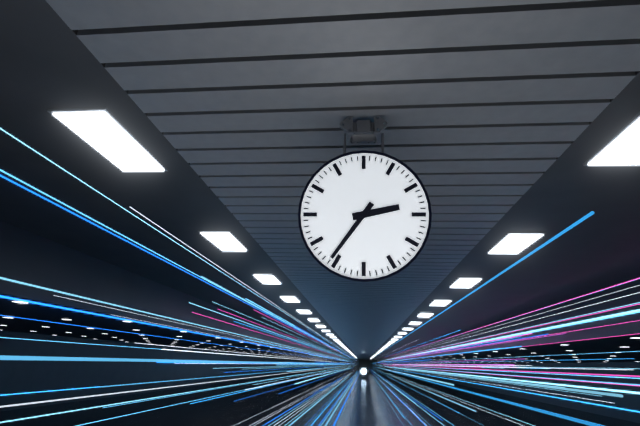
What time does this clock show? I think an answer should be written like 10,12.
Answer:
2,36
